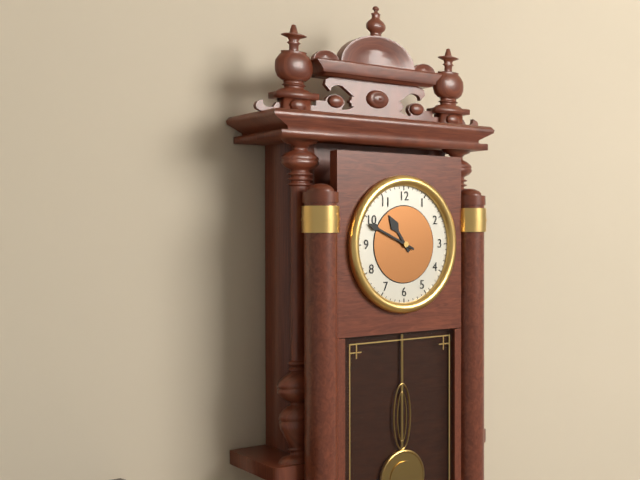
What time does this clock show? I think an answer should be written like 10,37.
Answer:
10,49
